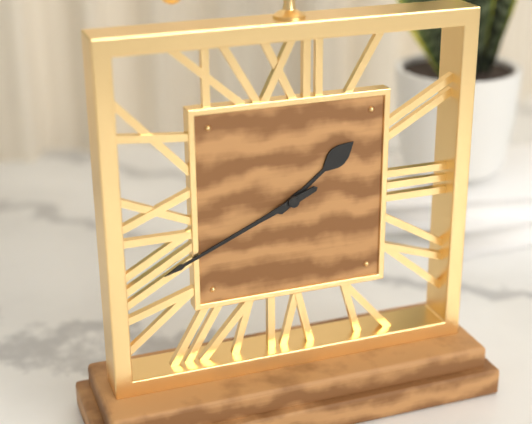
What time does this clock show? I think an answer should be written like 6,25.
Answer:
1,41
